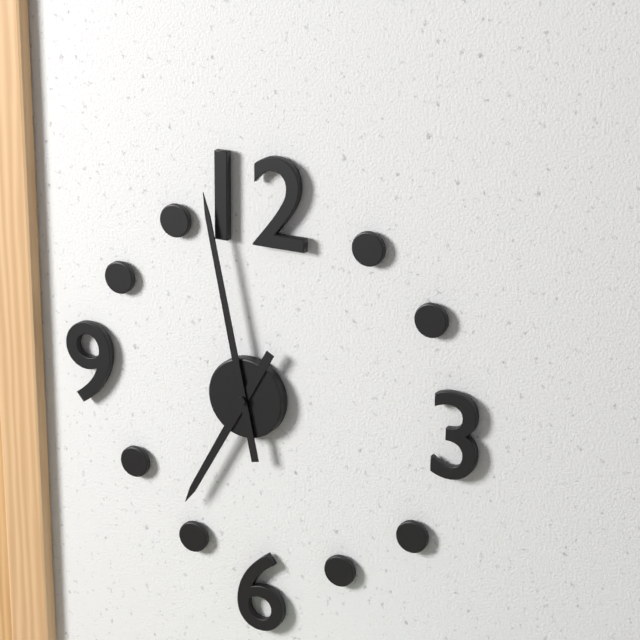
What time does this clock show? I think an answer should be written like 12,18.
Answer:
6,58
